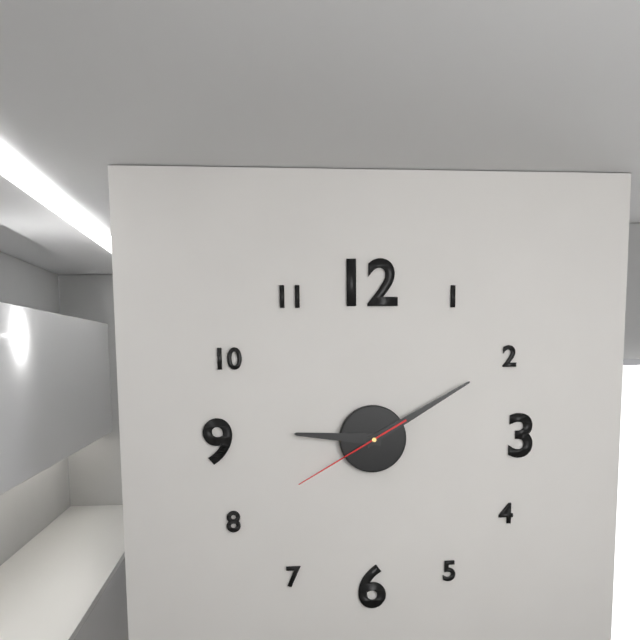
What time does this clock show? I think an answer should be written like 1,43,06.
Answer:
9,10,40
